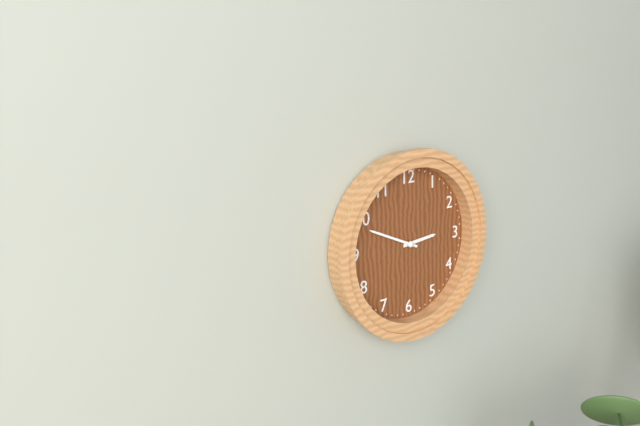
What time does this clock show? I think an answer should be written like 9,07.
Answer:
2,49
